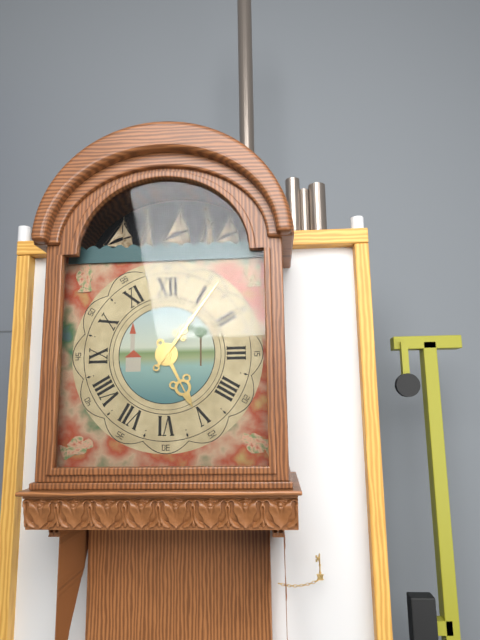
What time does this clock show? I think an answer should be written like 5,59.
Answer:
5,06
